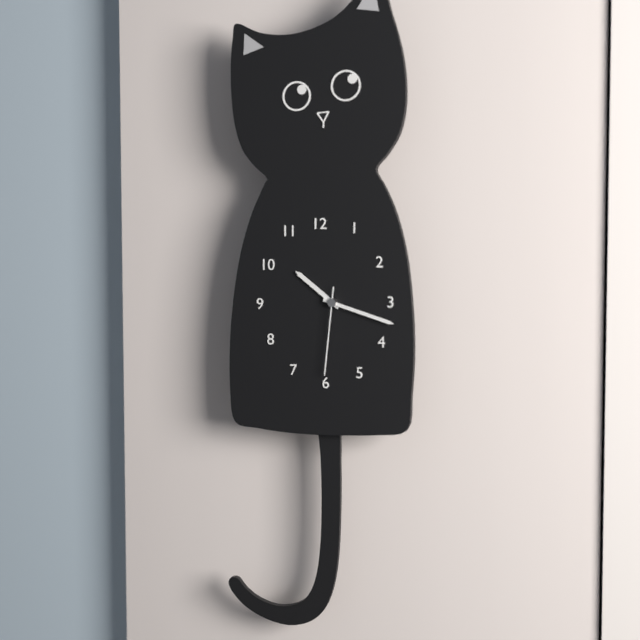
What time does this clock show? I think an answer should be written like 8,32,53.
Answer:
10,18,31
